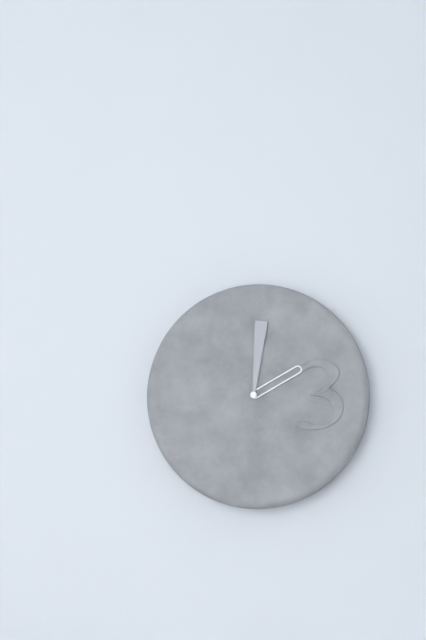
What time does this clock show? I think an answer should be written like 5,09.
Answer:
2,01
